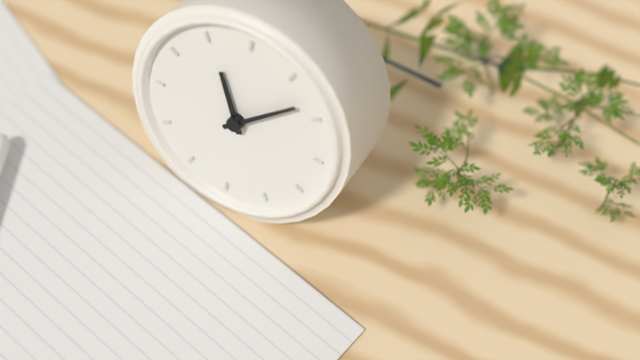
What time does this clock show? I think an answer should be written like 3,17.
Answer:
11,08
